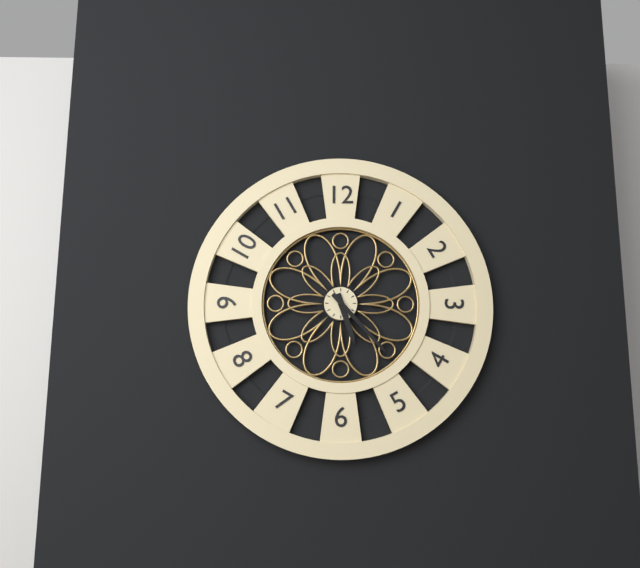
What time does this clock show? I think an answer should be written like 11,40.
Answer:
5,23
